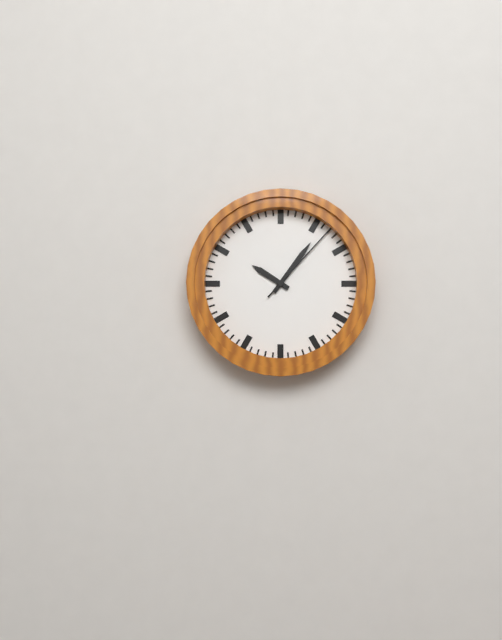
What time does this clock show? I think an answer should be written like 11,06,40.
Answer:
10,06,07
